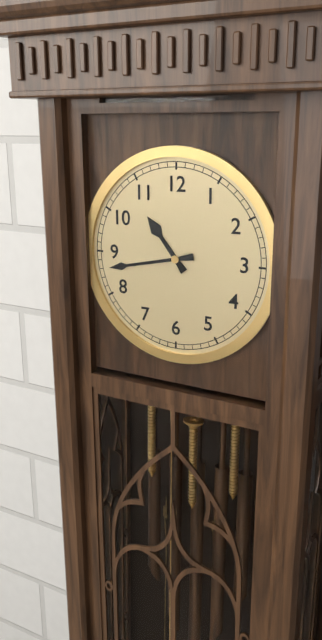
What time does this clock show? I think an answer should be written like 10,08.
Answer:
10,43
